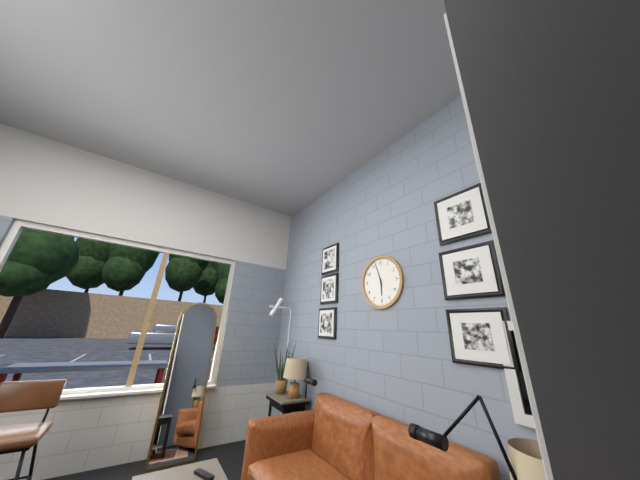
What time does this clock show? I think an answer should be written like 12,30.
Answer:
5,57
